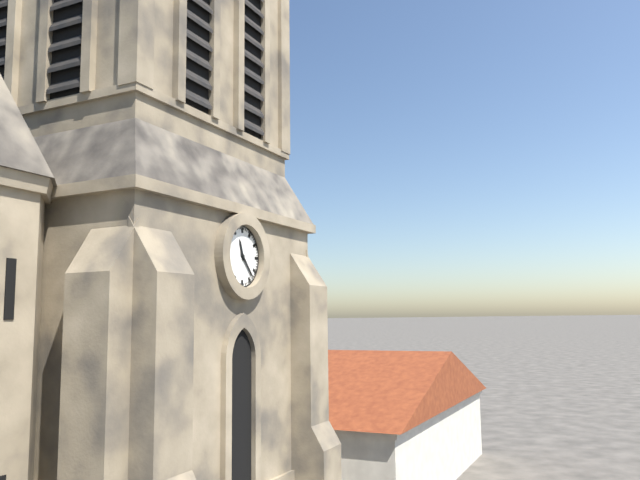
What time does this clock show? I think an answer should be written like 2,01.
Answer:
11,23
